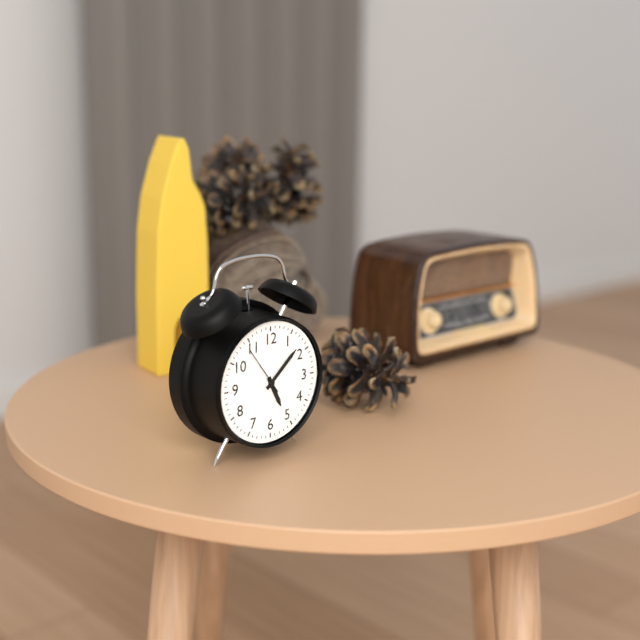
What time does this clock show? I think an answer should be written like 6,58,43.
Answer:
5,08,54
